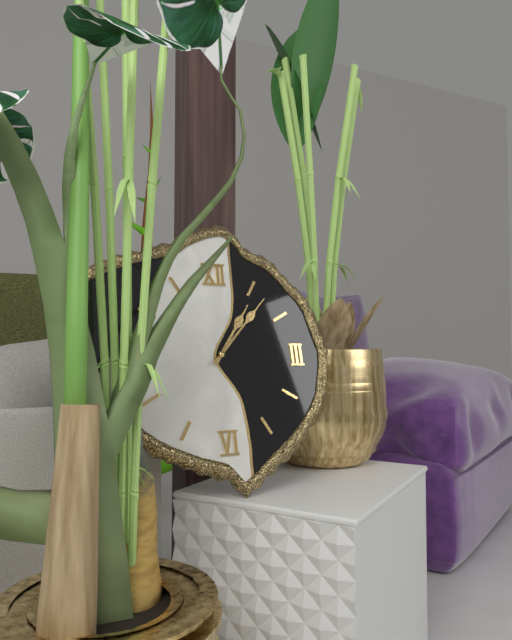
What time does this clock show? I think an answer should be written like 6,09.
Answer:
1,07
